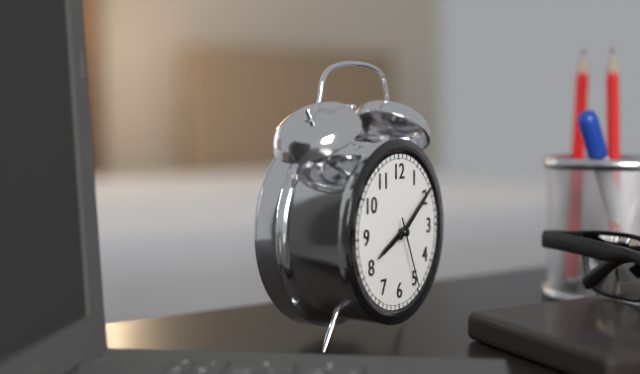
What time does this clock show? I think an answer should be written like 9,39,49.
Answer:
8,09,26
